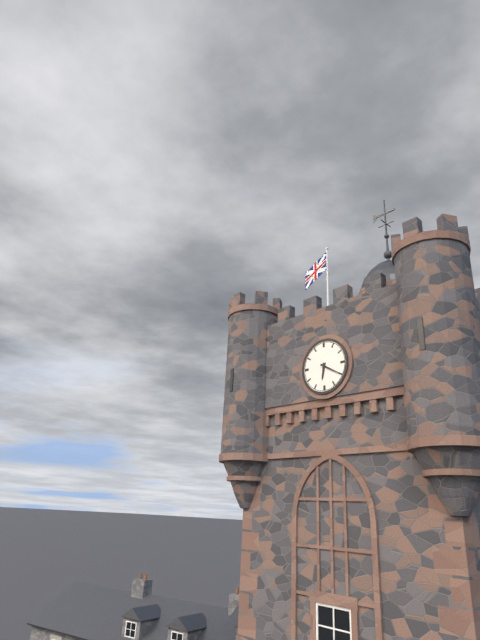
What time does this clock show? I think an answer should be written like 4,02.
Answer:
6,20
